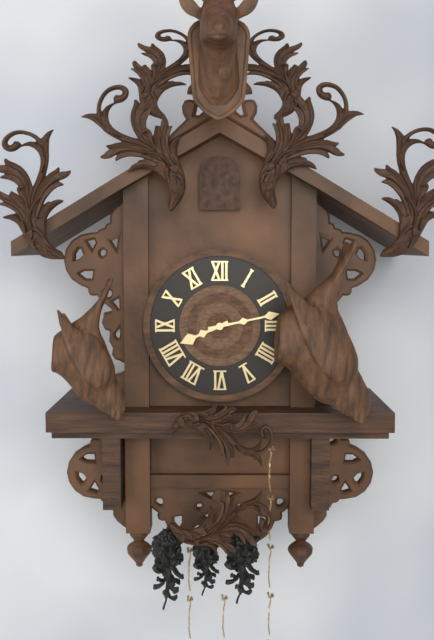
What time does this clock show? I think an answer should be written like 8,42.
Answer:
8,13
